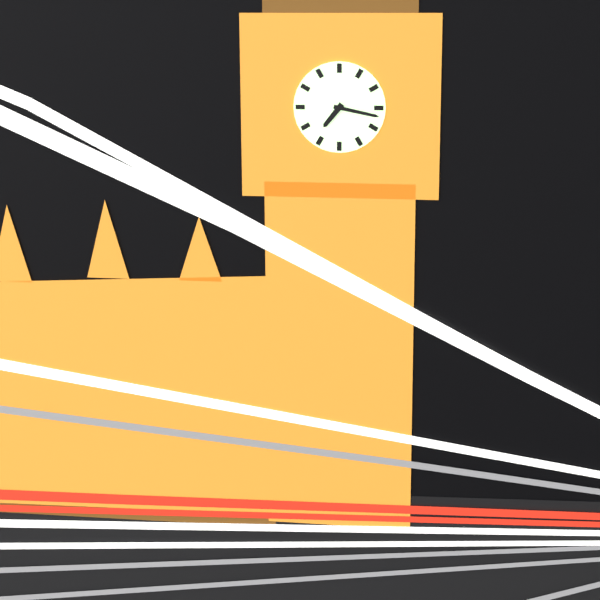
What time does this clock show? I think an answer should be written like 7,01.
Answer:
7,17
